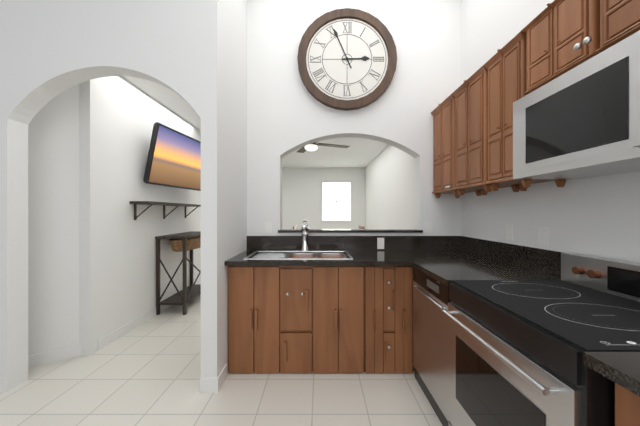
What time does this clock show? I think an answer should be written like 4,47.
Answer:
2,56
